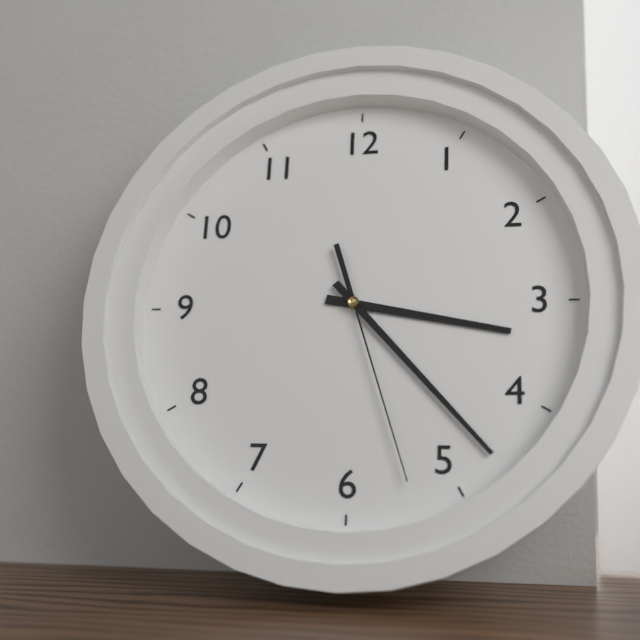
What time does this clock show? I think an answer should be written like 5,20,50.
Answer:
3,23,27
